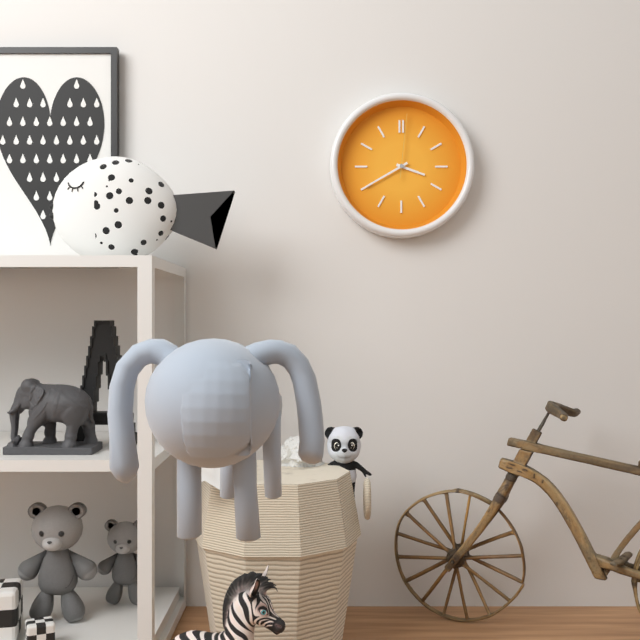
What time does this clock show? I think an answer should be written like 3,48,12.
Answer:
3,40,01
